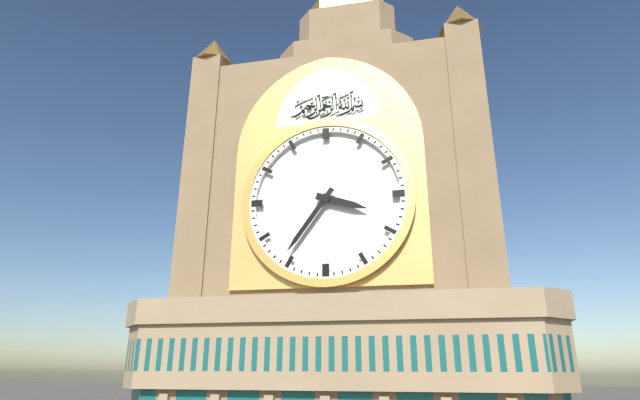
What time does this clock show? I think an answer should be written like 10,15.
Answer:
3,36
